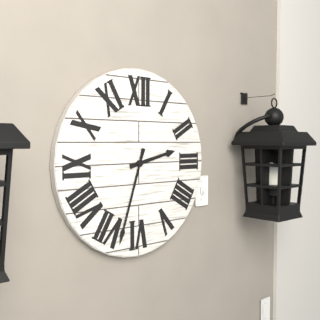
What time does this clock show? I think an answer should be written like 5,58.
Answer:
2,33
